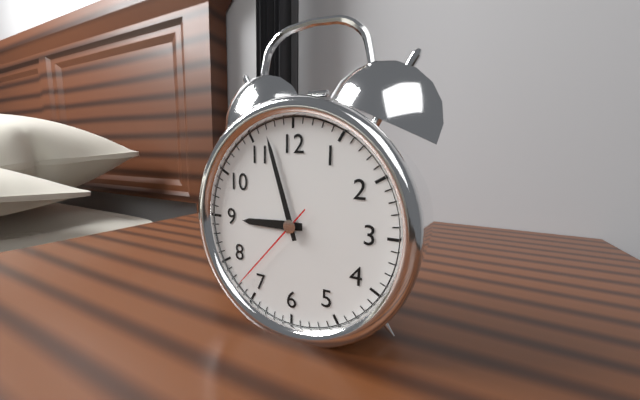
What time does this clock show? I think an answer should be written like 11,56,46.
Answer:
8,57,37
